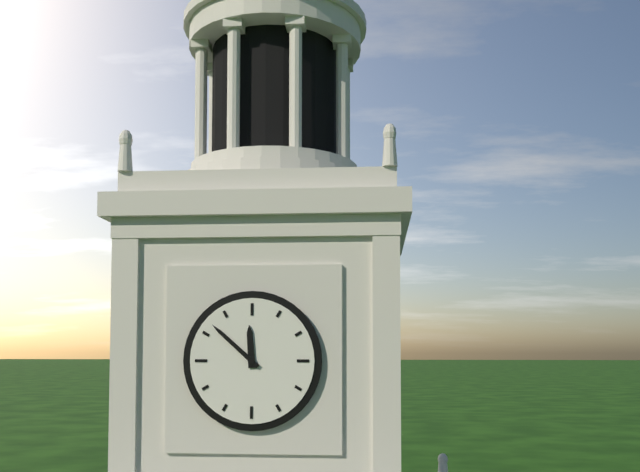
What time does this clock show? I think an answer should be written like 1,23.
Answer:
11,52
